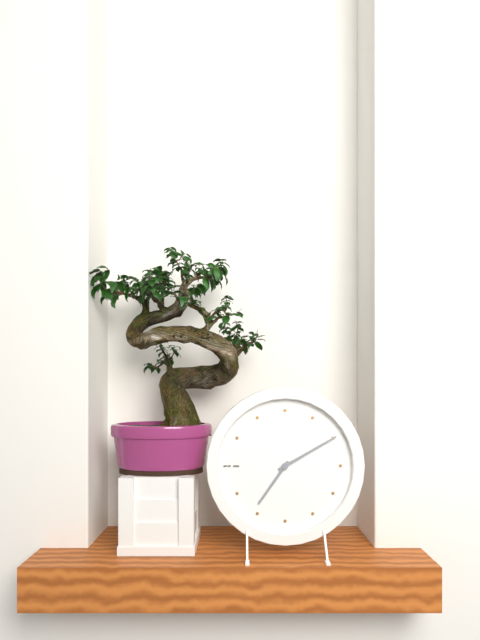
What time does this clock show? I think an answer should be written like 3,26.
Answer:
7,10
